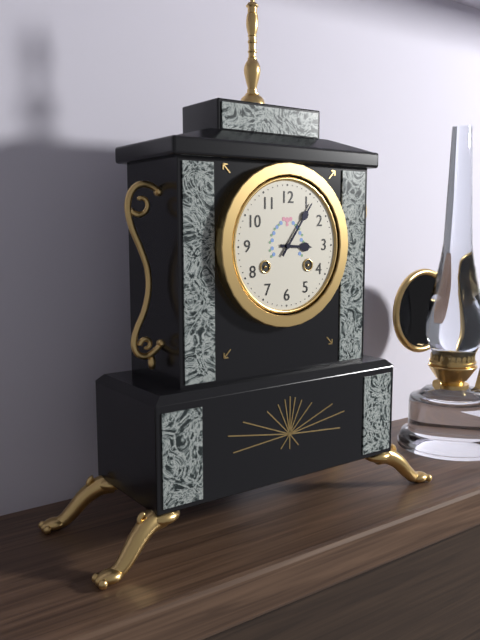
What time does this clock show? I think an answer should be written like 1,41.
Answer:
3,06
